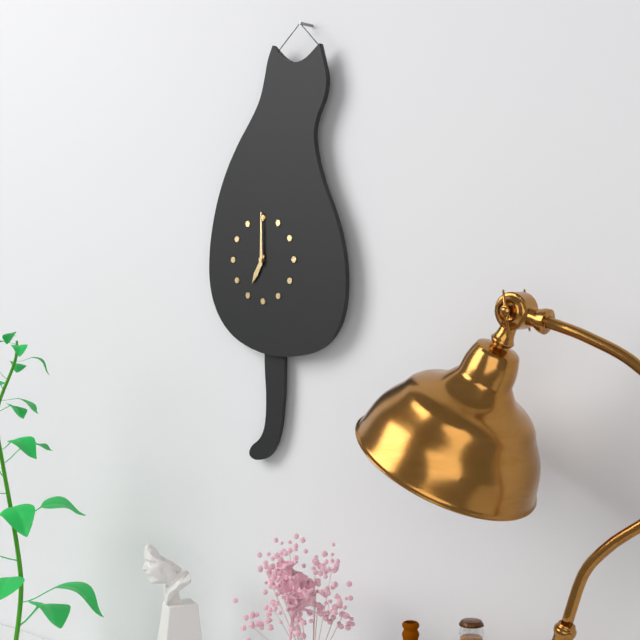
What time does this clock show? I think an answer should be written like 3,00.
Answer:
7,00
